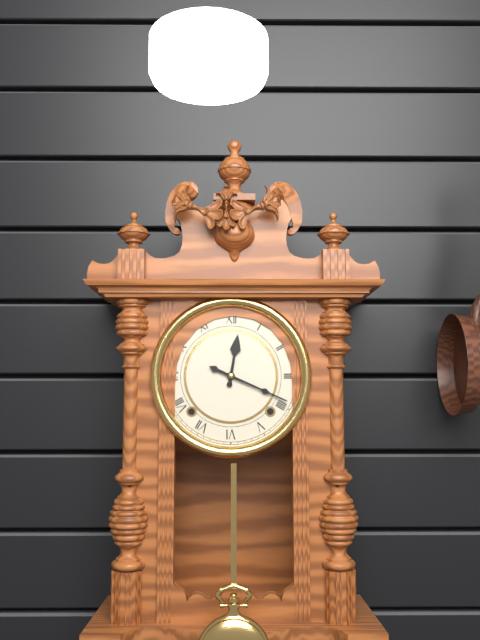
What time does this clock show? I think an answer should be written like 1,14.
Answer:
12,19
